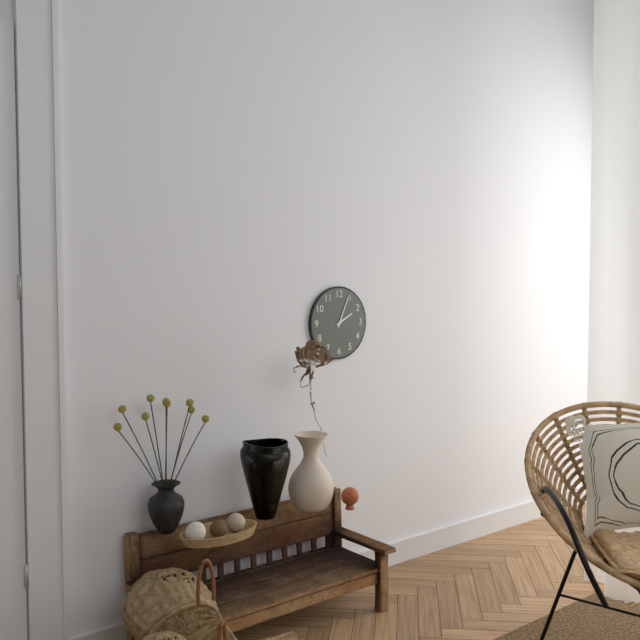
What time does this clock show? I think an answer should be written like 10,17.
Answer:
2,04
